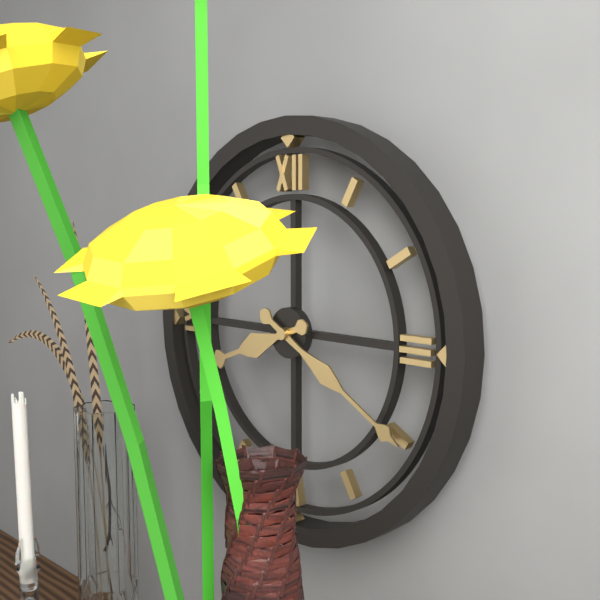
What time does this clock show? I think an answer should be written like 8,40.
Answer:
8,20
